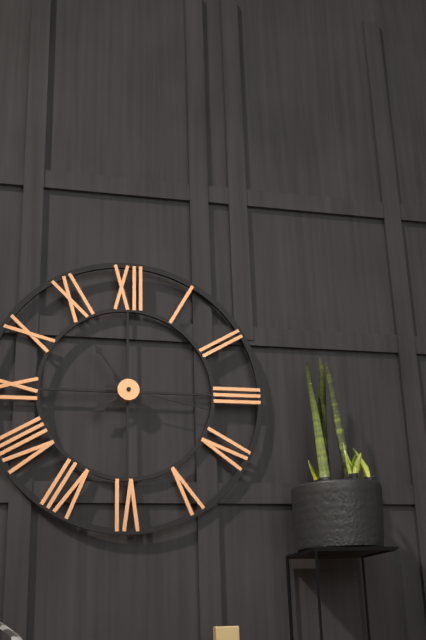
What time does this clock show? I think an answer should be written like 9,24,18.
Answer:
7,54,17
